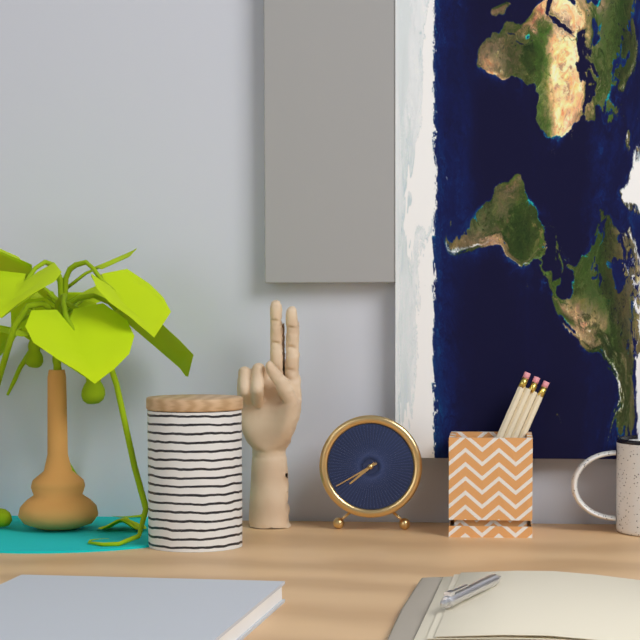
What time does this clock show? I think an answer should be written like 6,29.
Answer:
7,40
